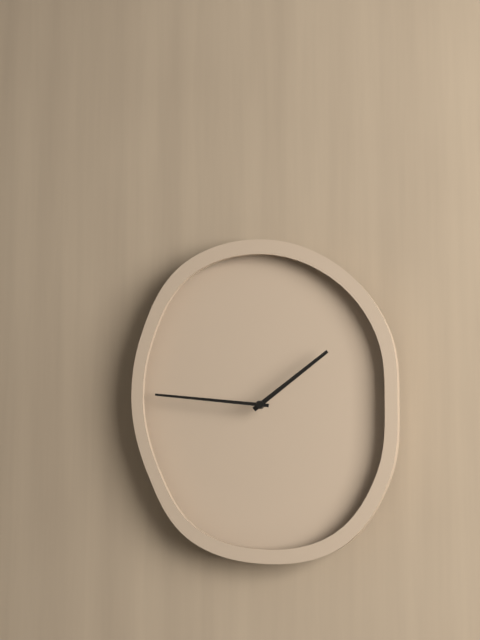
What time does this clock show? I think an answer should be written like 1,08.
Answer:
1,46
